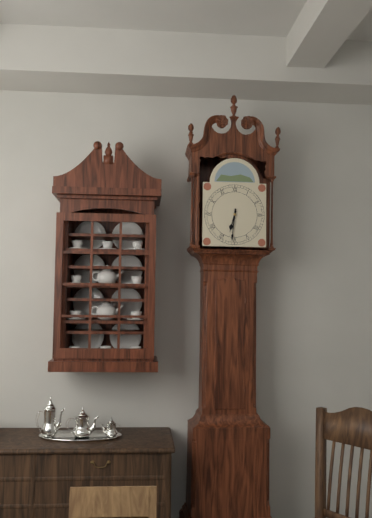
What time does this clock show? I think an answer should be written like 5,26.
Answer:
6,31
